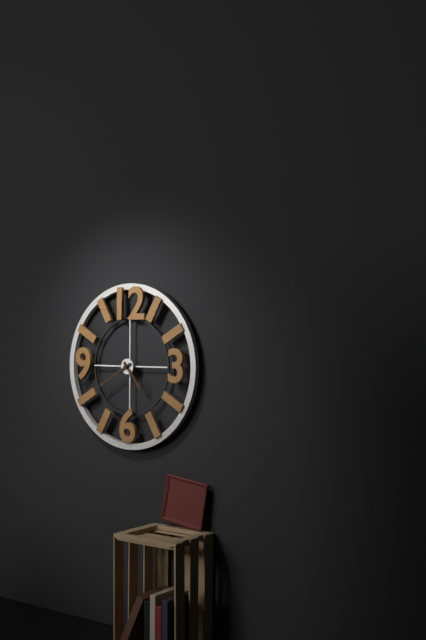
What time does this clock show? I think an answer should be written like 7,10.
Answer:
4,40
